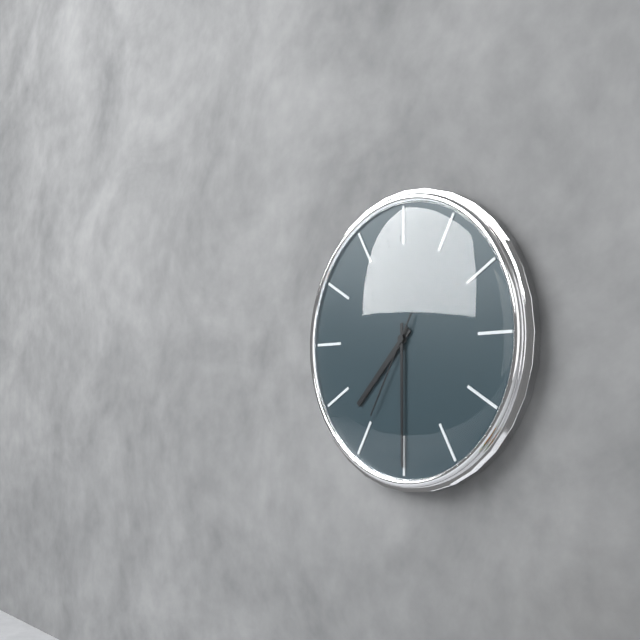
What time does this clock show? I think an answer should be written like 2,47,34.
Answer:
7,30,35
